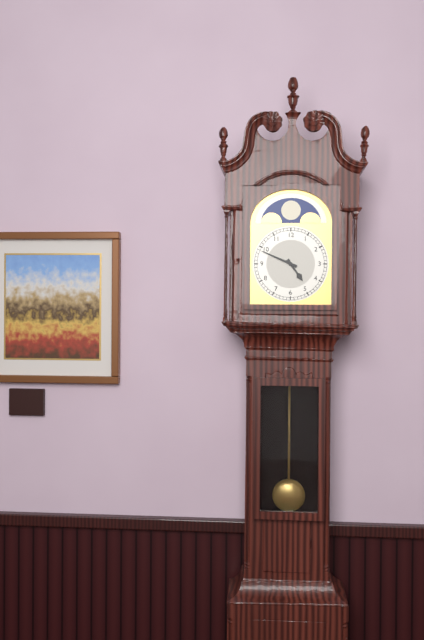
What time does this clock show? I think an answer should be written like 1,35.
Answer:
4,49
